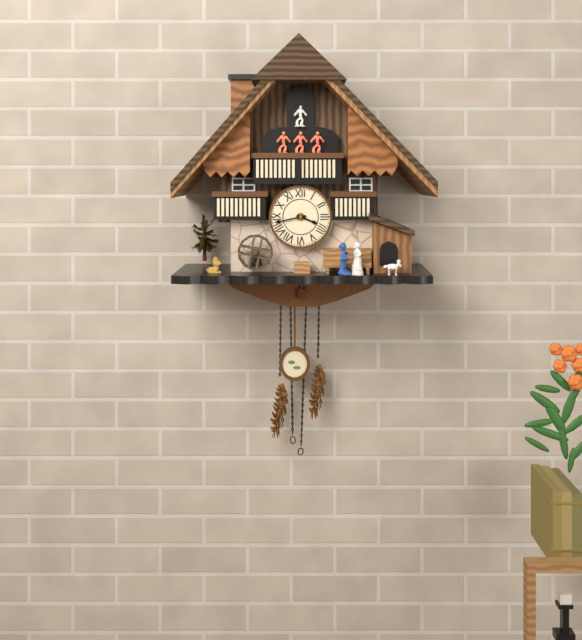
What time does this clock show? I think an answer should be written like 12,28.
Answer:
3,43
